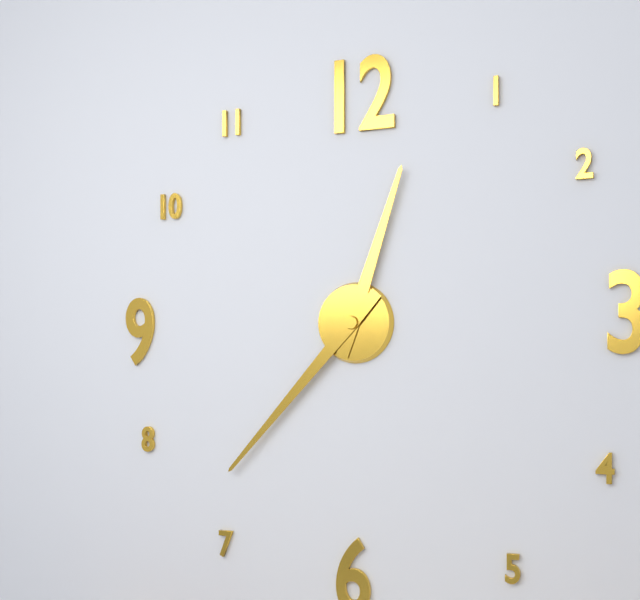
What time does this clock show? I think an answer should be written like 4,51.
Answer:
12,37
